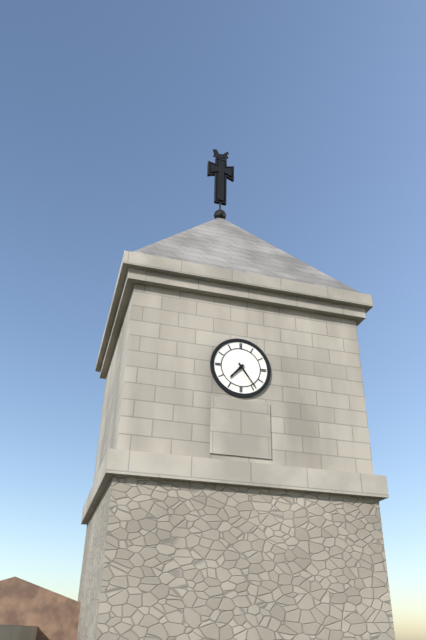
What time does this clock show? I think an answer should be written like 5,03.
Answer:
7,24
